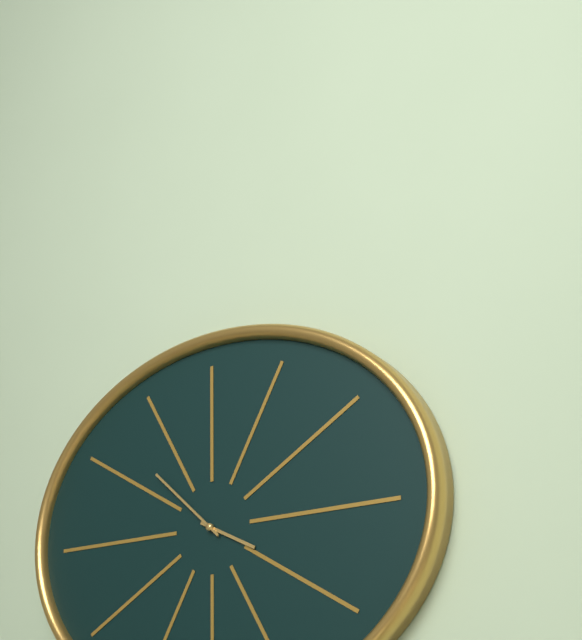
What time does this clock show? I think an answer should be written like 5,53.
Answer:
3,52
